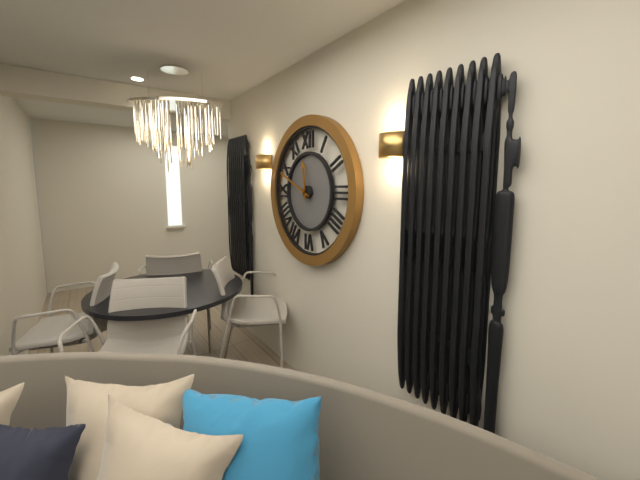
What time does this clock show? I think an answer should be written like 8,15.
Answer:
11,49
